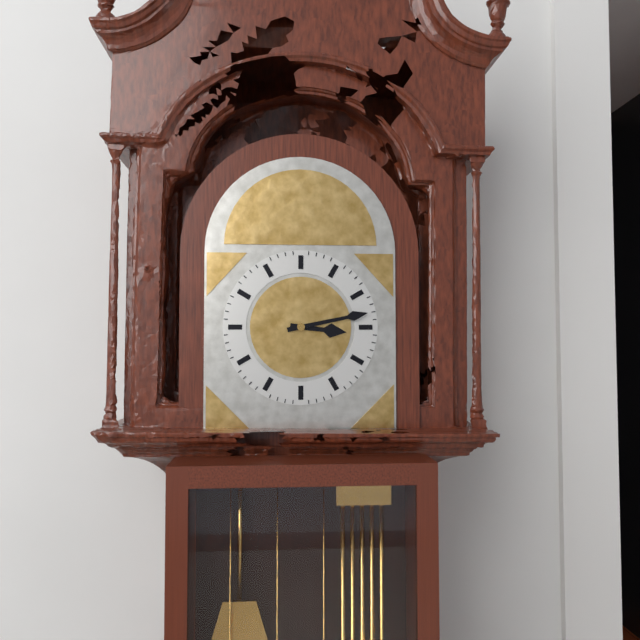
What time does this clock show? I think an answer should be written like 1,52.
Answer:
3,13
